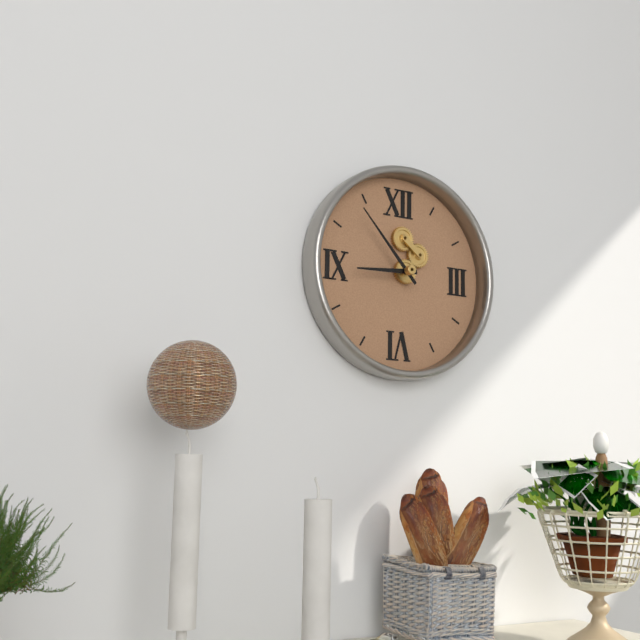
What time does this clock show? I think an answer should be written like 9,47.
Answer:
8,53
